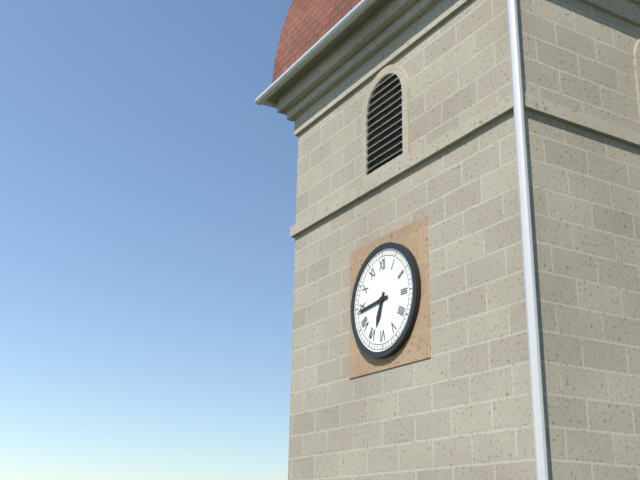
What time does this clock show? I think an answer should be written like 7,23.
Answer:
6,44
